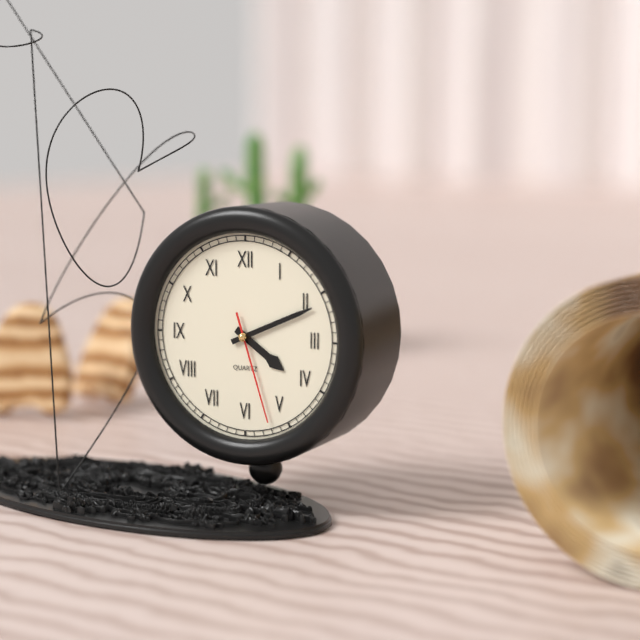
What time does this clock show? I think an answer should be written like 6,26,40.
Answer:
4,11,27
